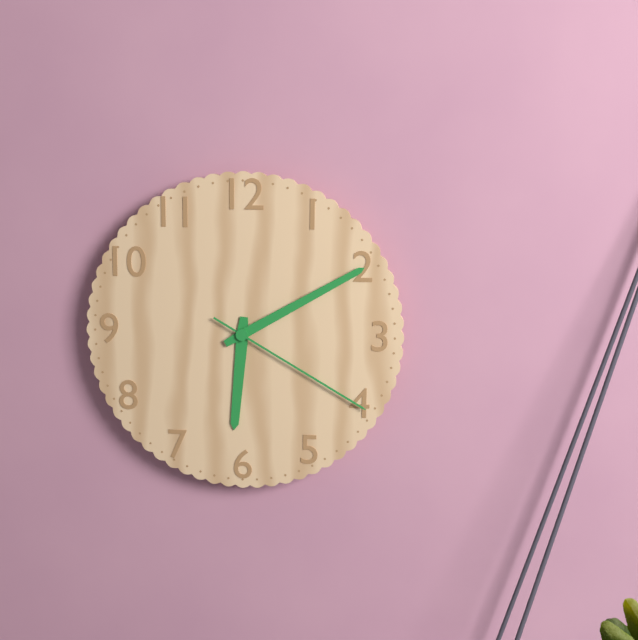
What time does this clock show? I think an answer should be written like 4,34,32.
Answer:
6,10,20
